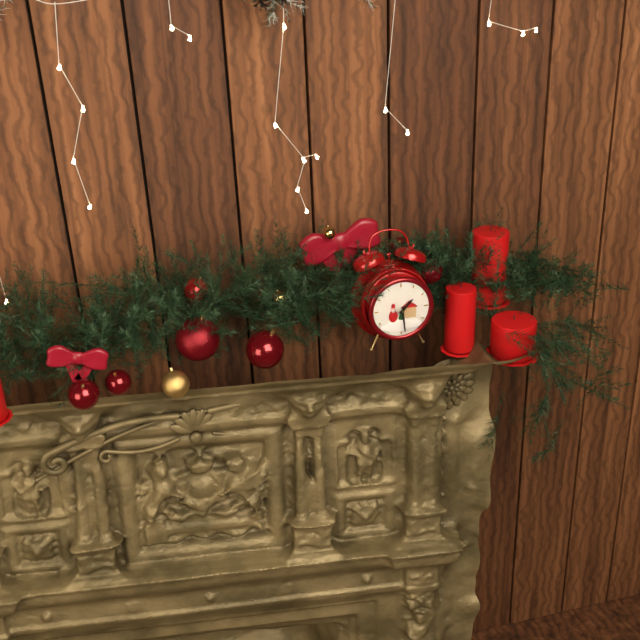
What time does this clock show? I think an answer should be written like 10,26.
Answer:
1,29
